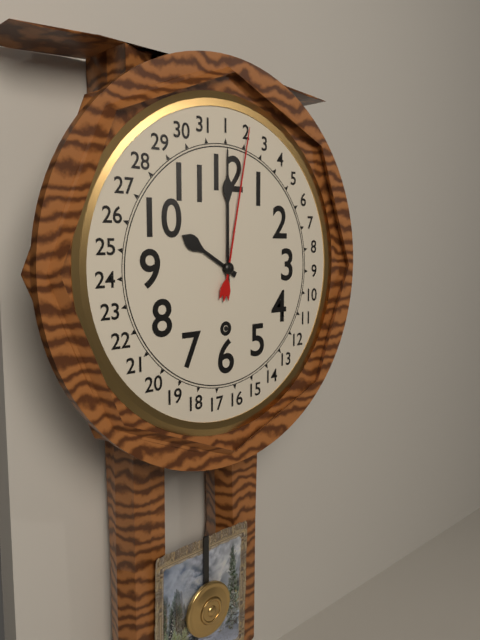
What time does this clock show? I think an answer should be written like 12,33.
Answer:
10,00
